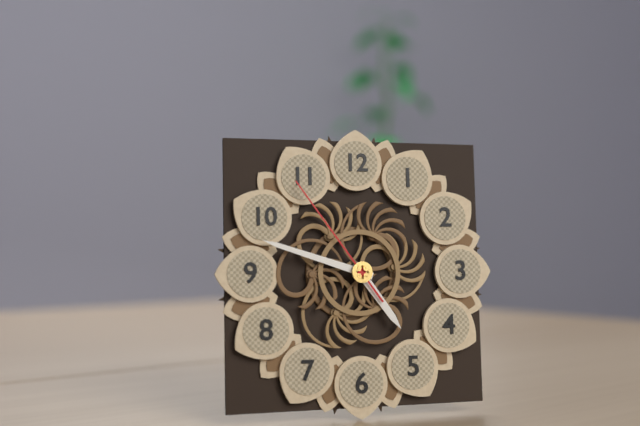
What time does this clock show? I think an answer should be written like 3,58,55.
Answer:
4,48,54
